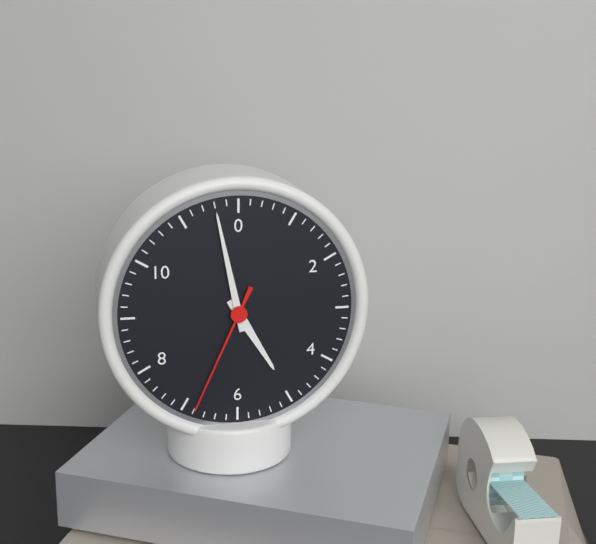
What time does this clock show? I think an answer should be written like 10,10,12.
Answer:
4,58,34
